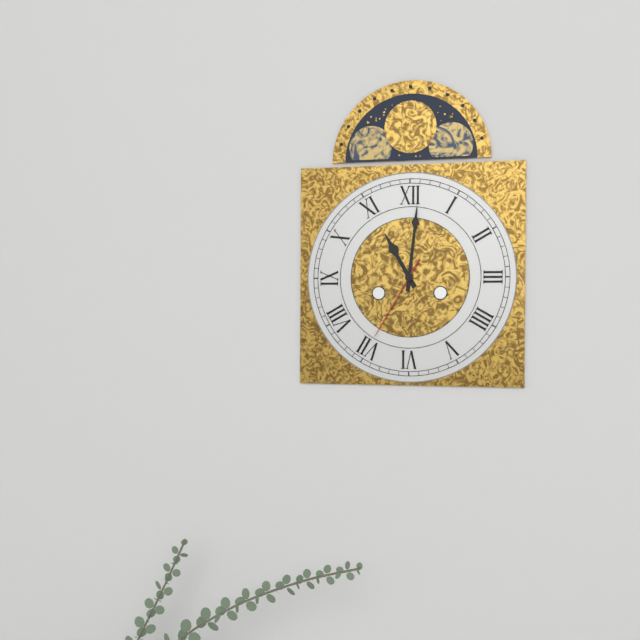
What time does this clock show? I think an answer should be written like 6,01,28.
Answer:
11,01,35
